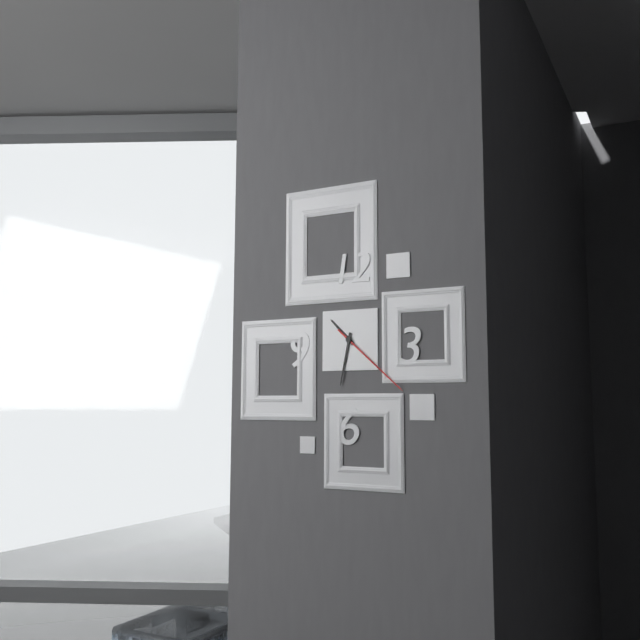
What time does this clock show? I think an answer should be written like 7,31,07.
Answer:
10,32,22
